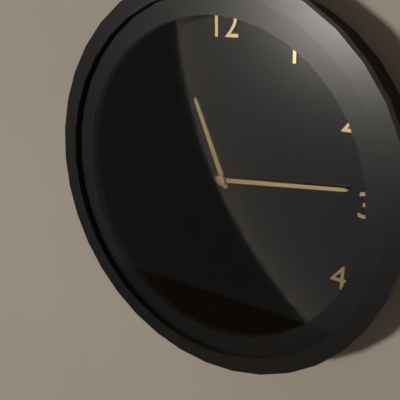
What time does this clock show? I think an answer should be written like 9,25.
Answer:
11,14
